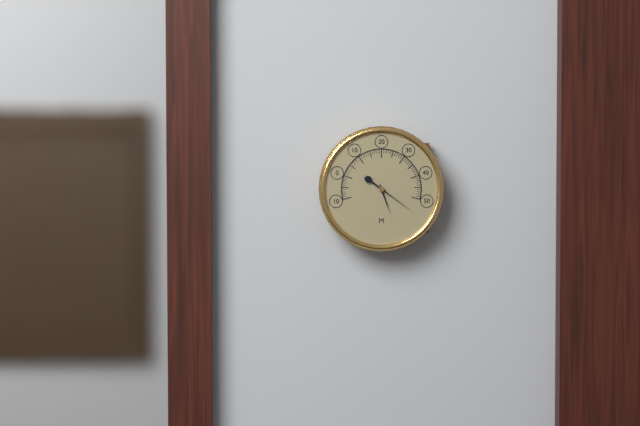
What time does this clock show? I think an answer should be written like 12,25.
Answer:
5,21
